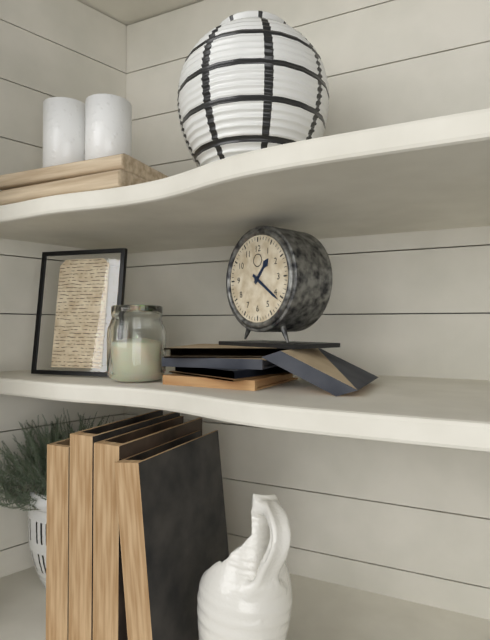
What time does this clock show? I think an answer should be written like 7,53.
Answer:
1,21
